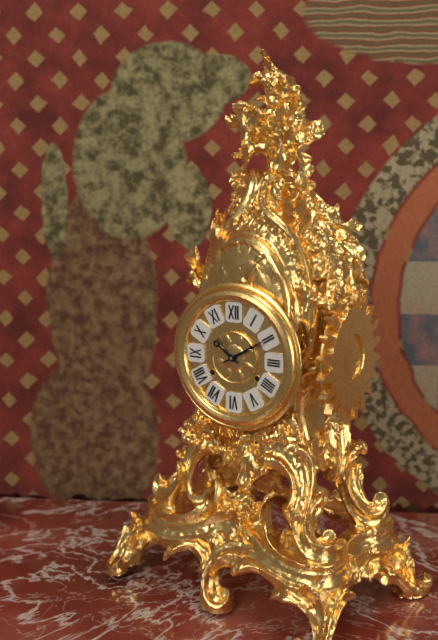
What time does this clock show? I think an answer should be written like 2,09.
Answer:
10,10
